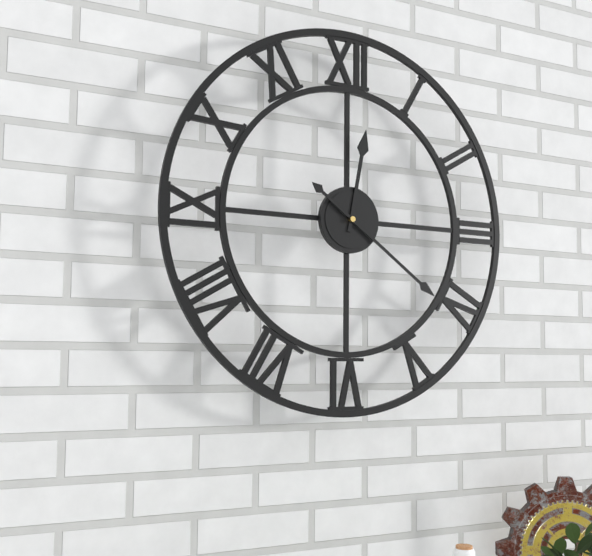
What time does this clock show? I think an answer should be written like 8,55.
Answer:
12,21
